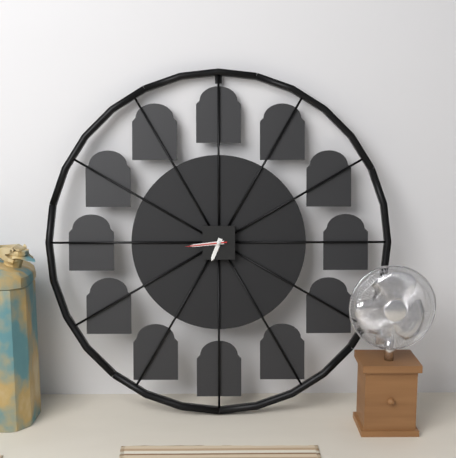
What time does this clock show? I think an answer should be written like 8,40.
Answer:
6,44
